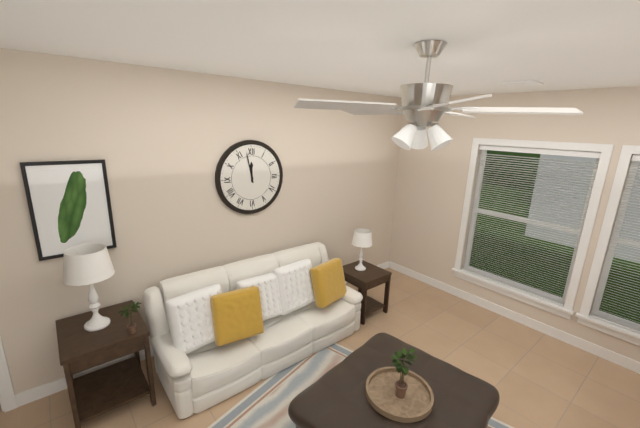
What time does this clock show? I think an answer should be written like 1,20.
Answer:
11,58
